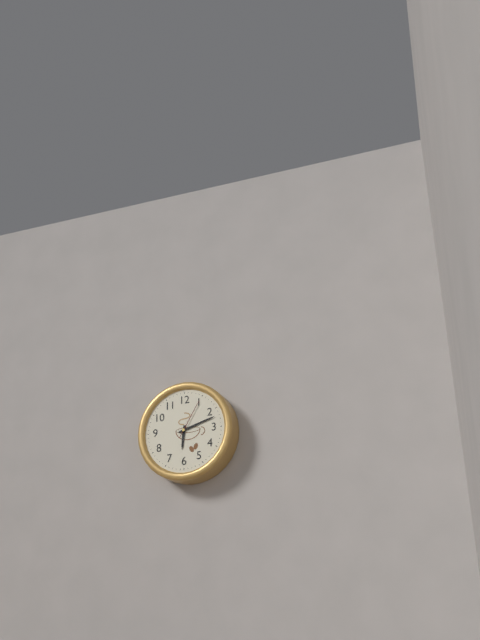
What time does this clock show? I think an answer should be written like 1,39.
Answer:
6,12
